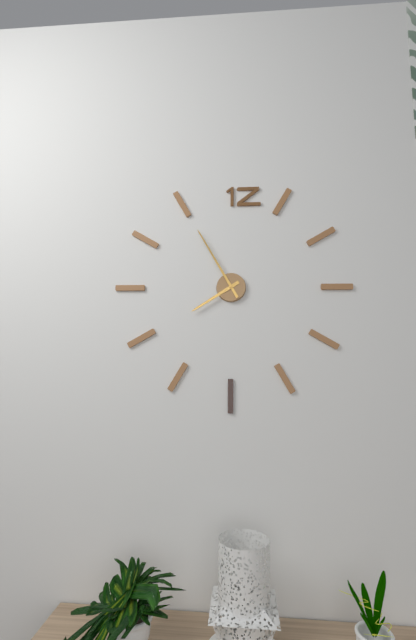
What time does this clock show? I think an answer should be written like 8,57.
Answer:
7,55
